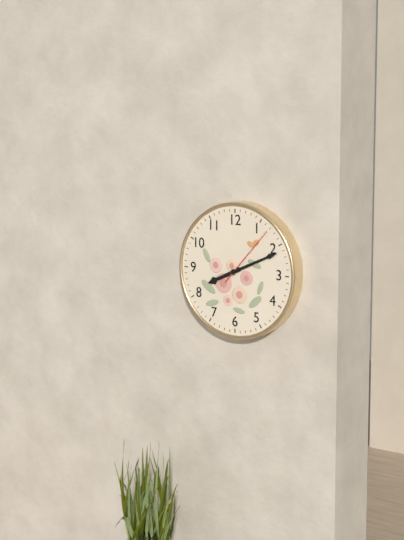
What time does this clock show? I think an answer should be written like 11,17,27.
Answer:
8,11,07
